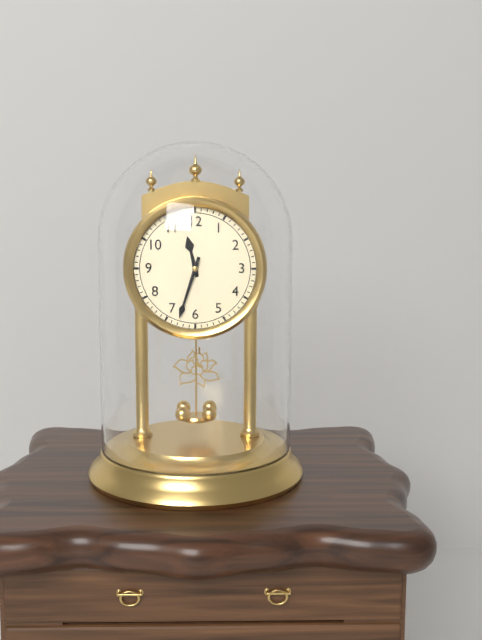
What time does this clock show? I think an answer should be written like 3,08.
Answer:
11,33
